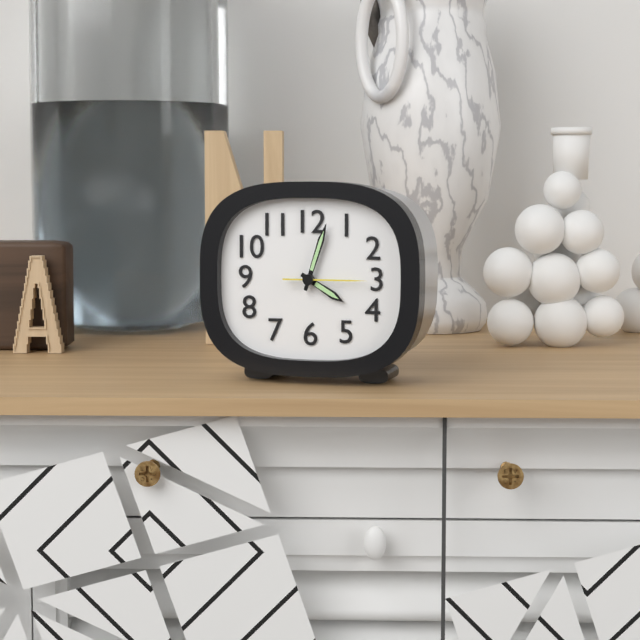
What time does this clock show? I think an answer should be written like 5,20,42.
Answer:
4,03,15
